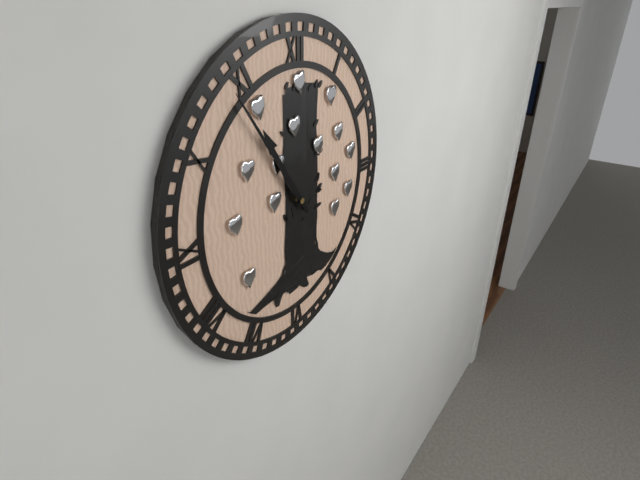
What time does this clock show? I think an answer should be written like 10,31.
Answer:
10,54
